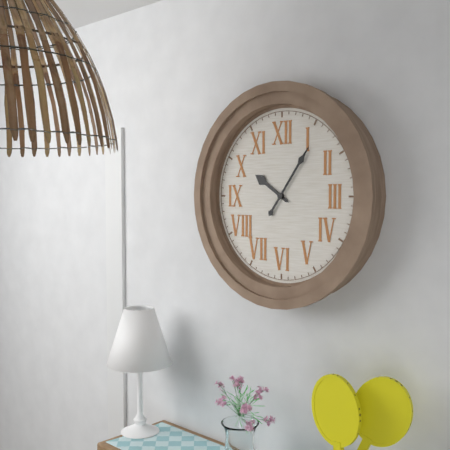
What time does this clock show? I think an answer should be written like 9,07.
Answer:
10,06
